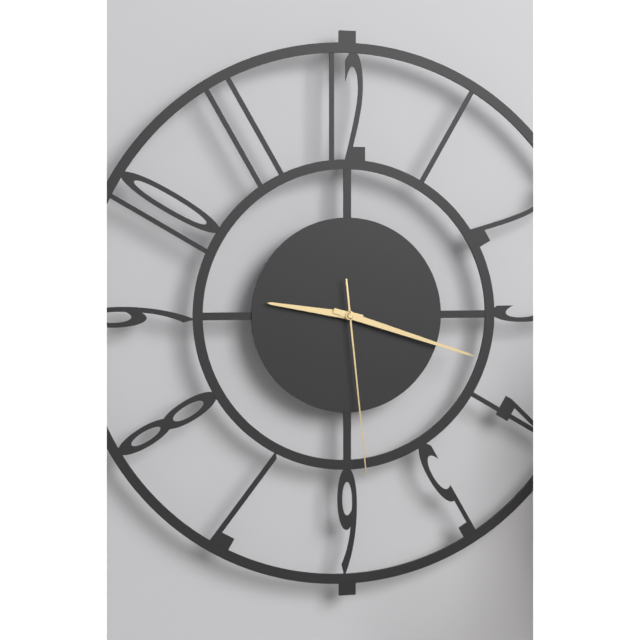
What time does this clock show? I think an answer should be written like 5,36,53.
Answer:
9,18,29
